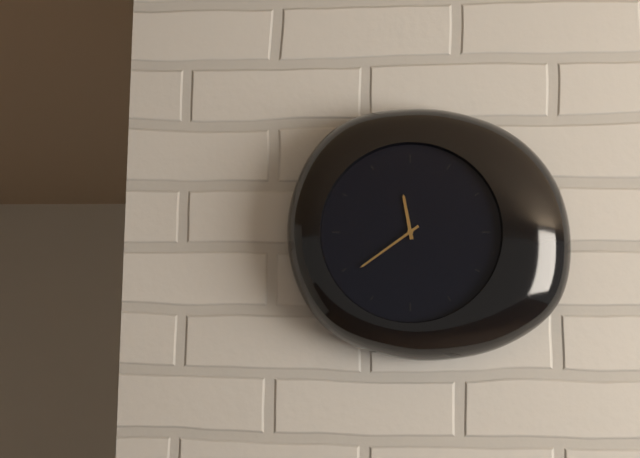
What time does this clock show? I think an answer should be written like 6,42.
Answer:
11,39
